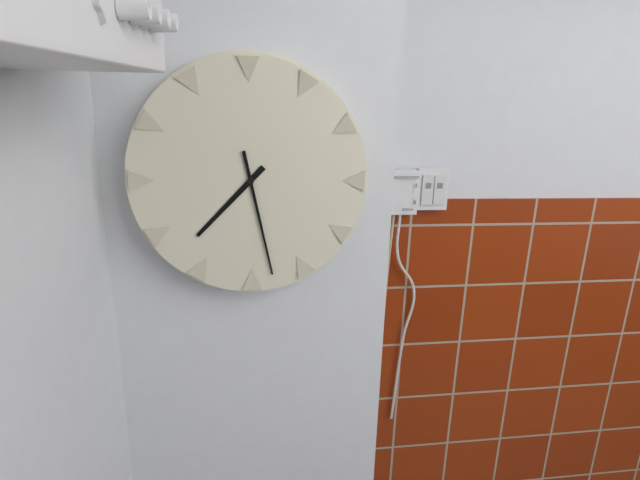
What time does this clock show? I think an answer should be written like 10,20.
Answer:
7,28
